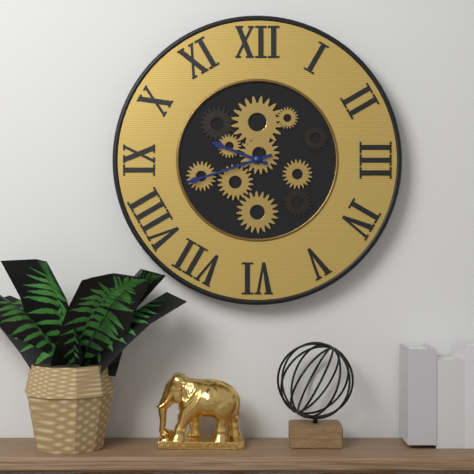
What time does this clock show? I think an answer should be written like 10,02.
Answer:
9,42
